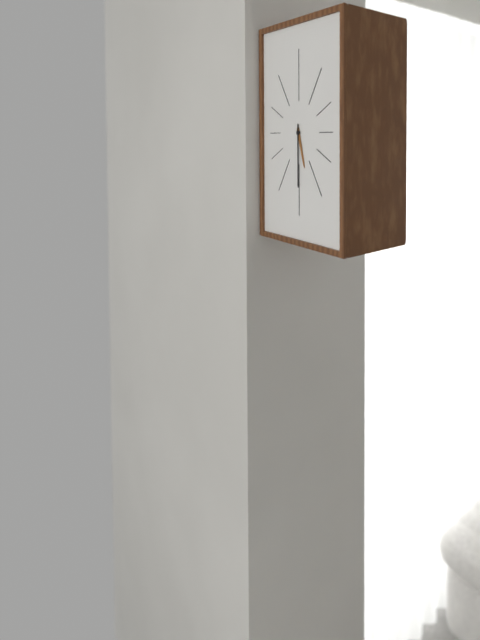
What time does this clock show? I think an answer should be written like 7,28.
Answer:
5,30
